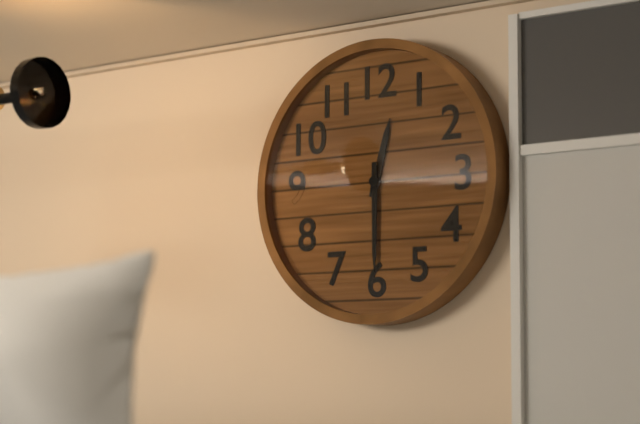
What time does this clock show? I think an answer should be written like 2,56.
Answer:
12,30
